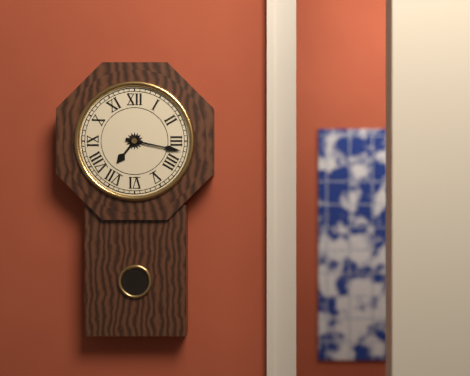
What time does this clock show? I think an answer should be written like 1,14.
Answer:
7,17
